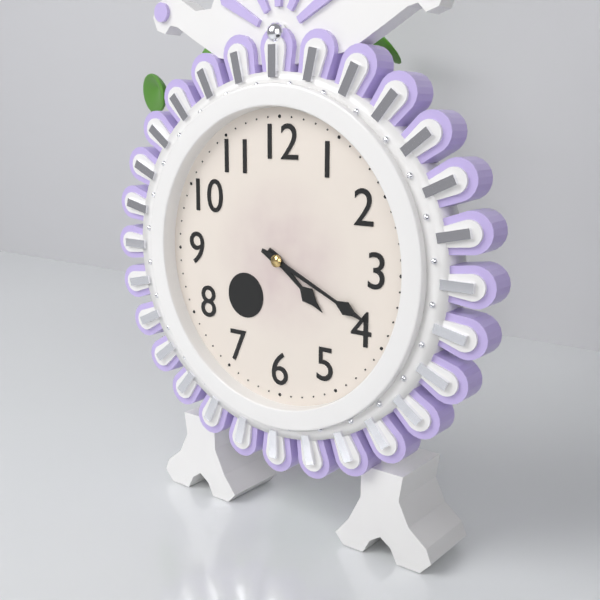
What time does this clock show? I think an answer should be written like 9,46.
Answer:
4,19
